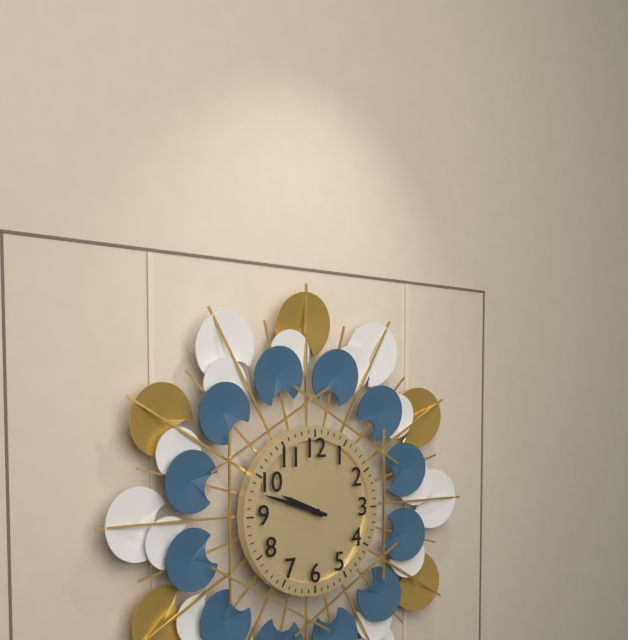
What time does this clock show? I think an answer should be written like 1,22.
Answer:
9,48
